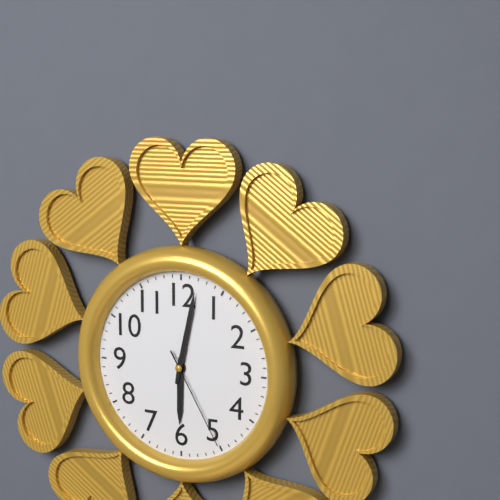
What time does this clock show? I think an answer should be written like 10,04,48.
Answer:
6,02,25
